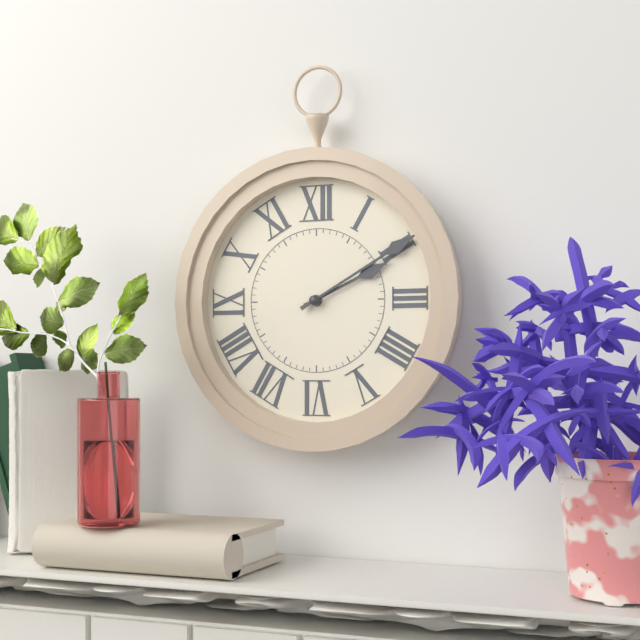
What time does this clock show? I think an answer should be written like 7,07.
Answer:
2,10
